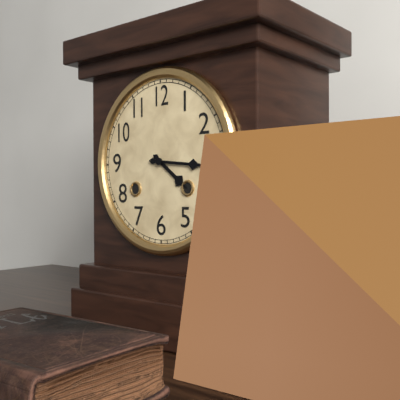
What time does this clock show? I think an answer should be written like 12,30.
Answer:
4,16
